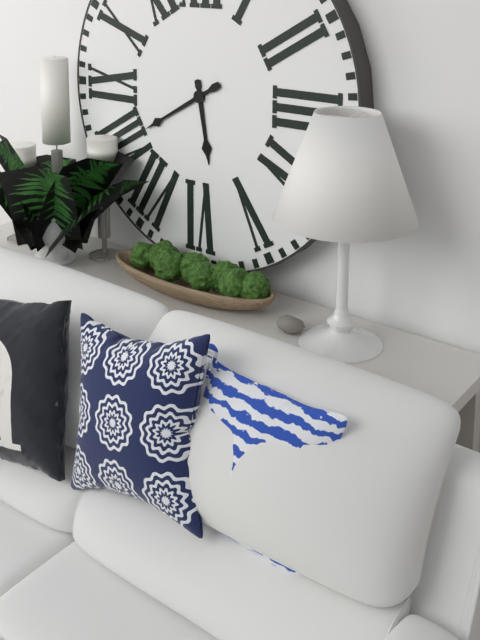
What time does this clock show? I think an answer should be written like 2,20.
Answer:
5,40
